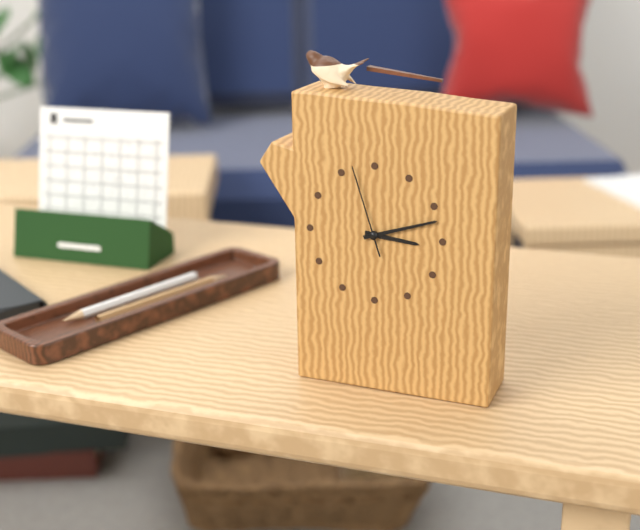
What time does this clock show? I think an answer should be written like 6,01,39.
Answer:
3,12,57
